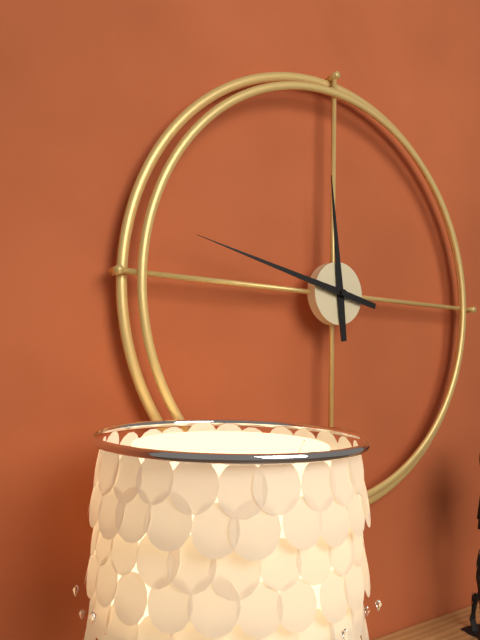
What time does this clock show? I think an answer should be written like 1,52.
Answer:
11,47
